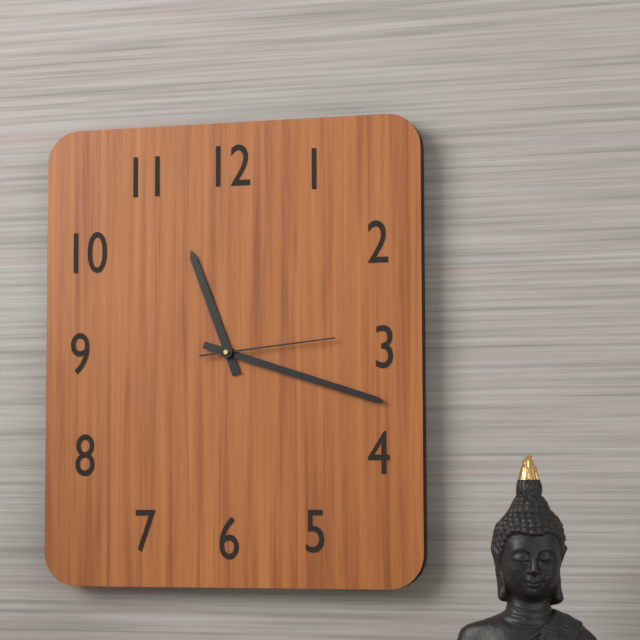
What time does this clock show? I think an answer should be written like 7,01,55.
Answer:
11,18,14
